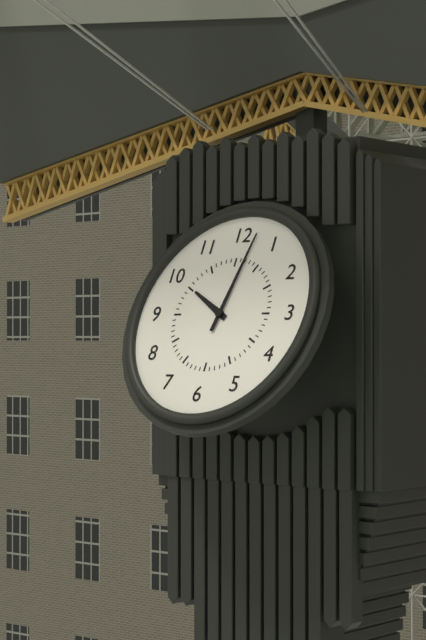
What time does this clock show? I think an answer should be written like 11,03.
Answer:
10,02
